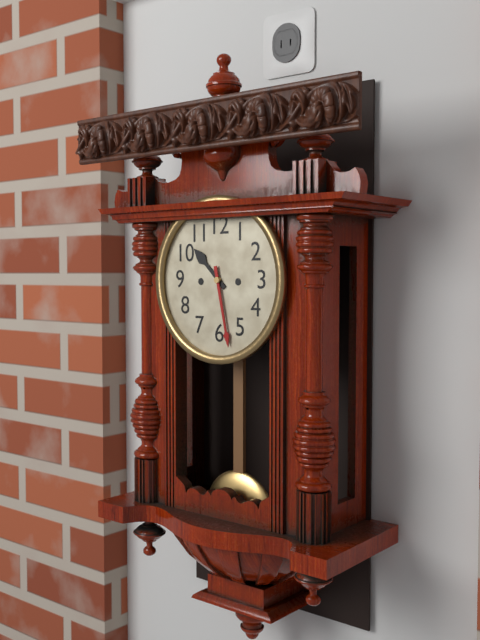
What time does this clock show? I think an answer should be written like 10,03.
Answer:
10,28
